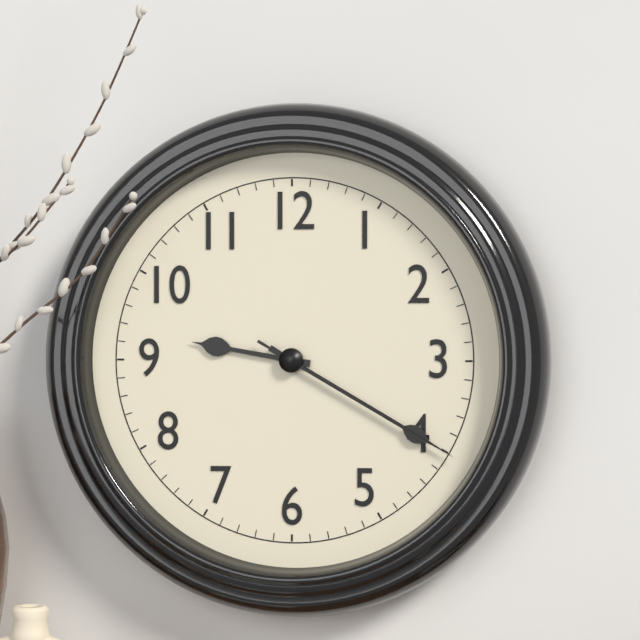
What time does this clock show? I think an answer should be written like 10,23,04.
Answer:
9,20,20
